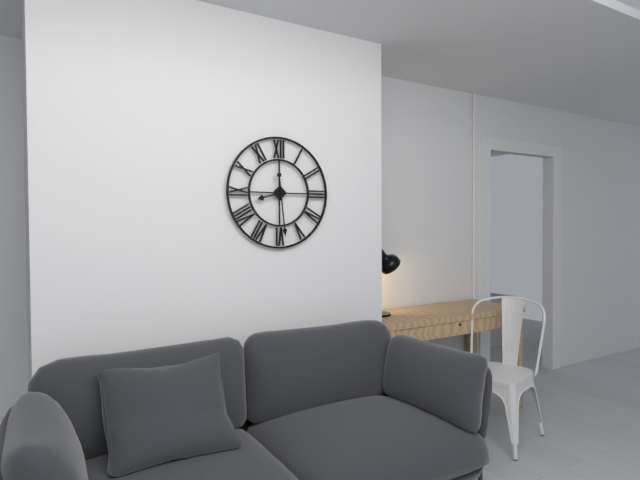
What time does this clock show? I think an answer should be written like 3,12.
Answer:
8,29
